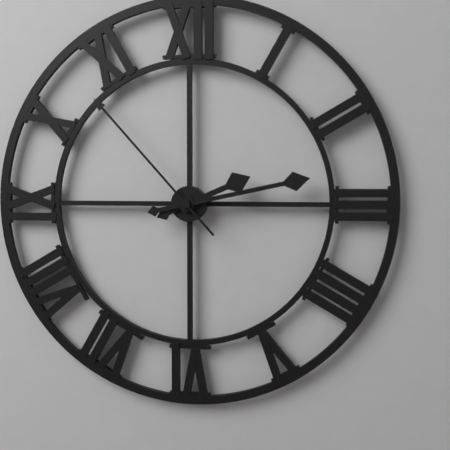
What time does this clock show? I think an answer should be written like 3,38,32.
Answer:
2,13,53
